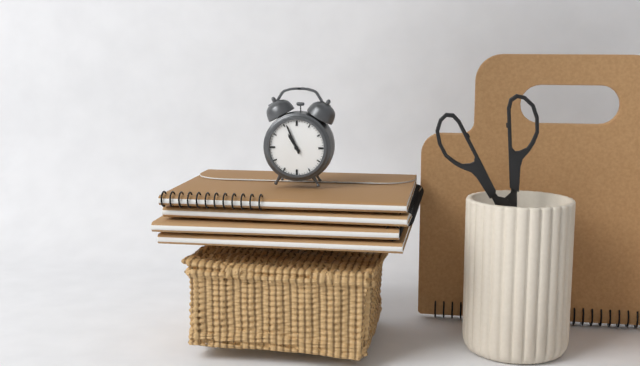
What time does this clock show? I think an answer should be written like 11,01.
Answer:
10,56
